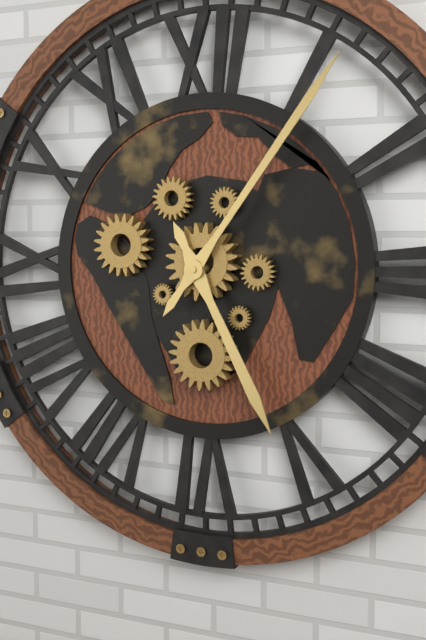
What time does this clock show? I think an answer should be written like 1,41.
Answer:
5,06
